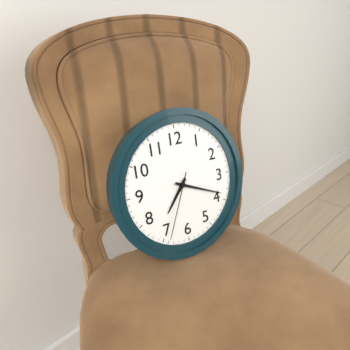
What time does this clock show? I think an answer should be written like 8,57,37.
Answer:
7,19,34
